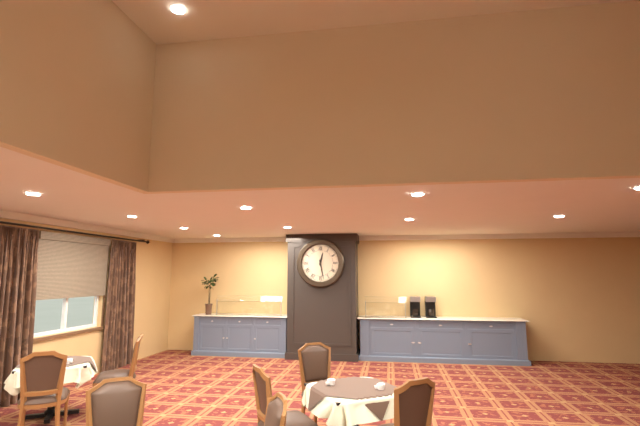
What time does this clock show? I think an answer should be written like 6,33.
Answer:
12,28
